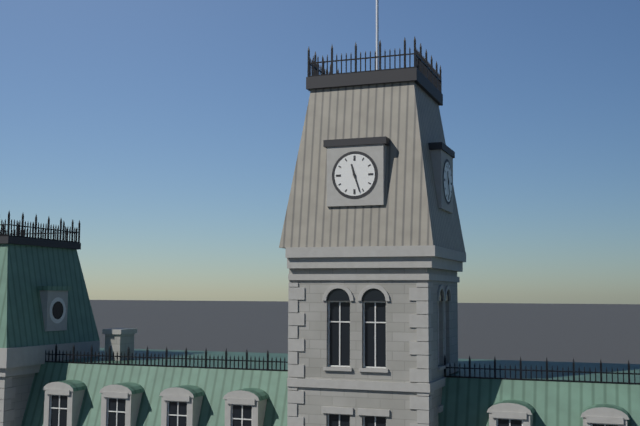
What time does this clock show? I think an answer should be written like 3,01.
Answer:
11,27
